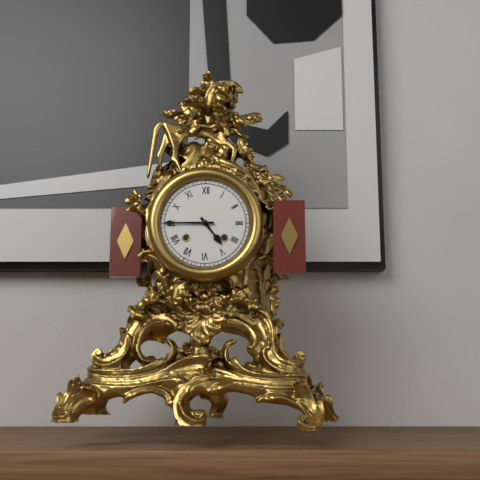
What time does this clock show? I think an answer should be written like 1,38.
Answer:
4,45
